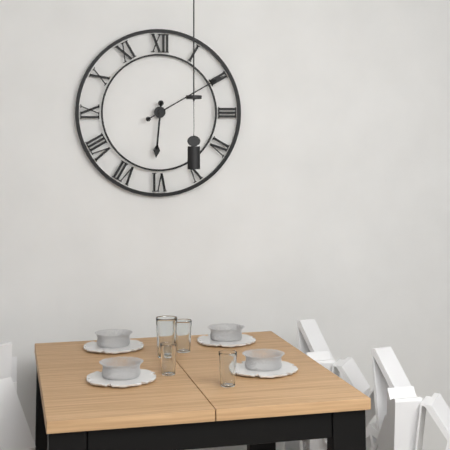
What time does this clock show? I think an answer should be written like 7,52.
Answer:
6,10
